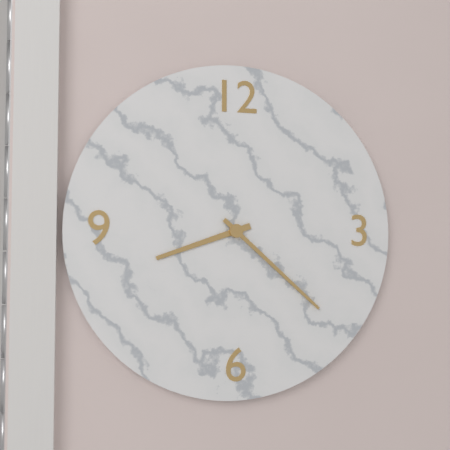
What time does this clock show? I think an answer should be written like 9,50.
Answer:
8,22
